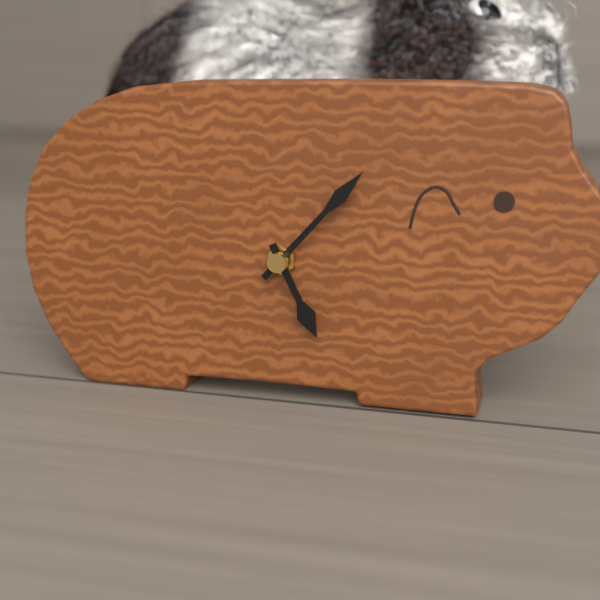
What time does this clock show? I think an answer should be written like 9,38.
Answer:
5,07
